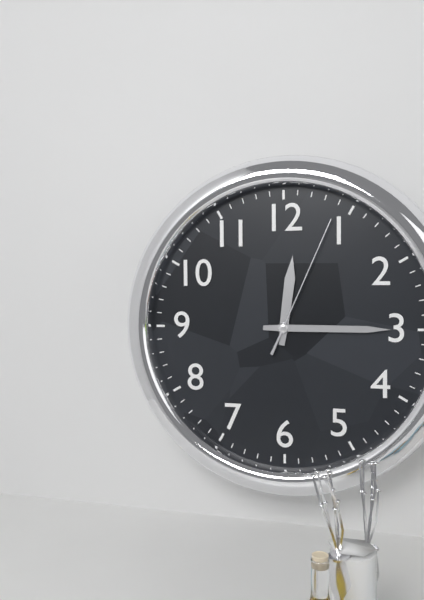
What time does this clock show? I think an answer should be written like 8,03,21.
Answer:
12,15,04
